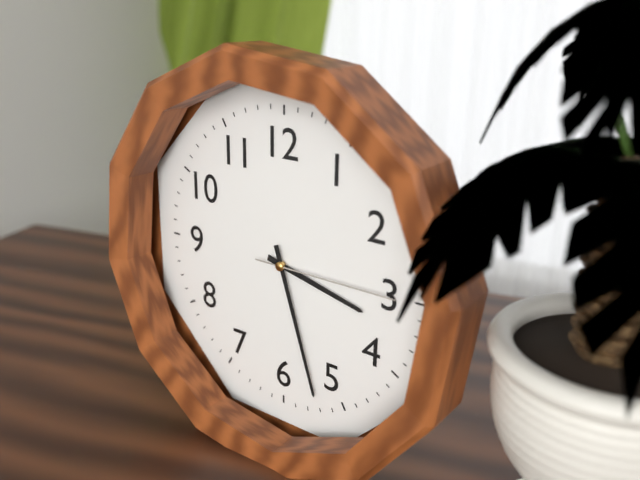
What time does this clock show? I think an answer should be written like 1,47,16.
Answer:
3,27,15
